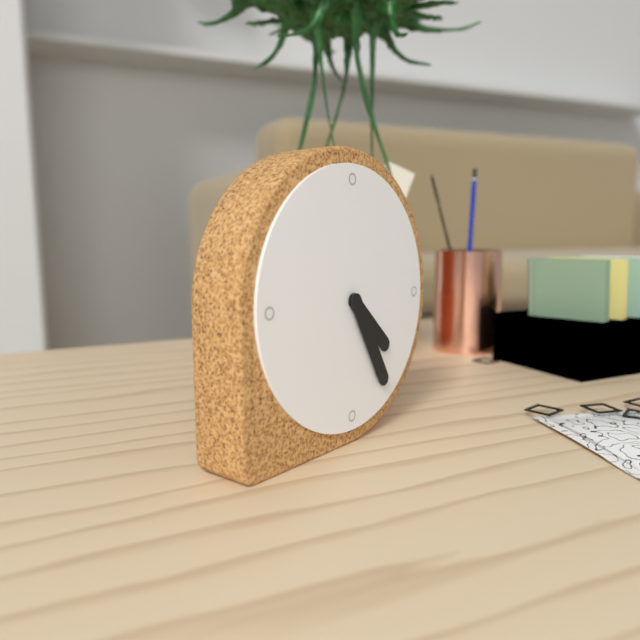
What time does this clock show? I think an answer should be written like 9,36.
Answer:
4,25
